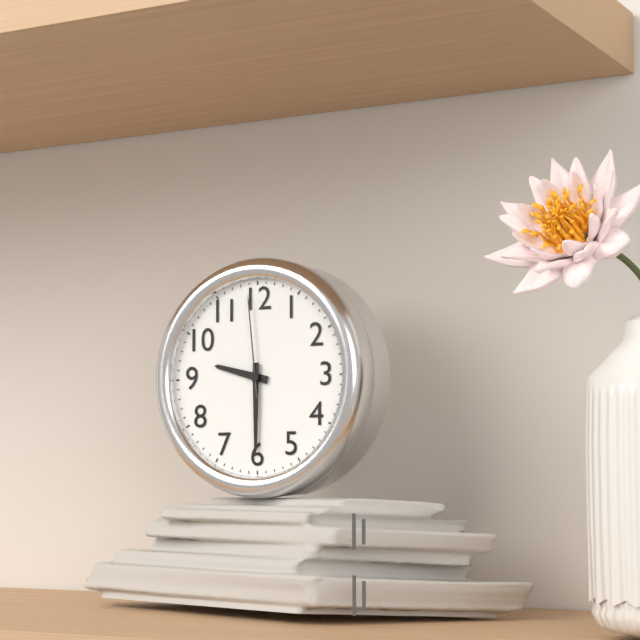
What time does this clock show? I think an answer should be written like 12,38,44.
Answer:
9,30,59
